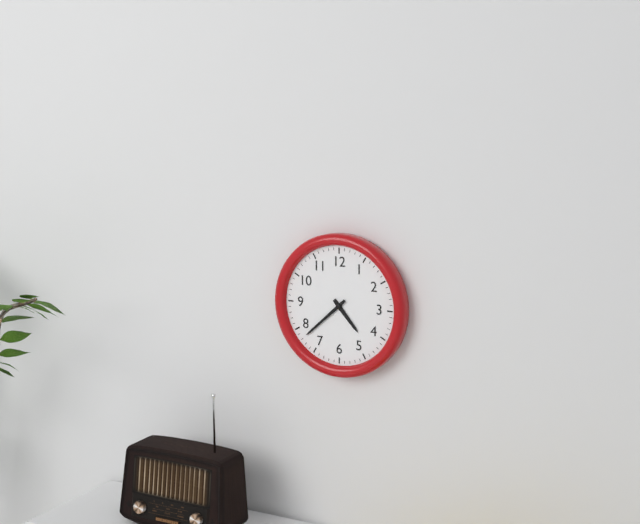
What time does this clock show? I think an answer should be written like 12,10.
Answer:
4,38
